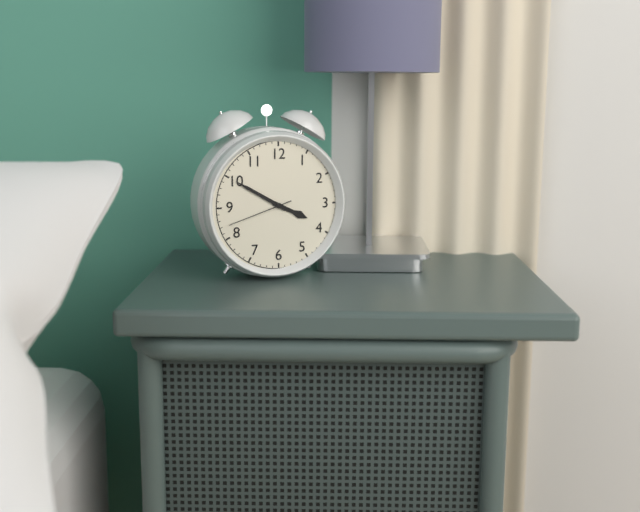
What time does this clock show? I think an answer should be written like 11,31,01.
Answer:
3,50,42
